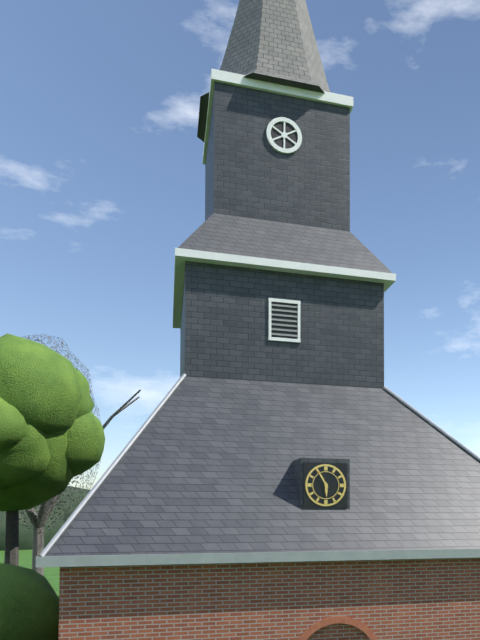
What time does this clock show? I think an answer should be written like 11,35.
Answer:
5,55
